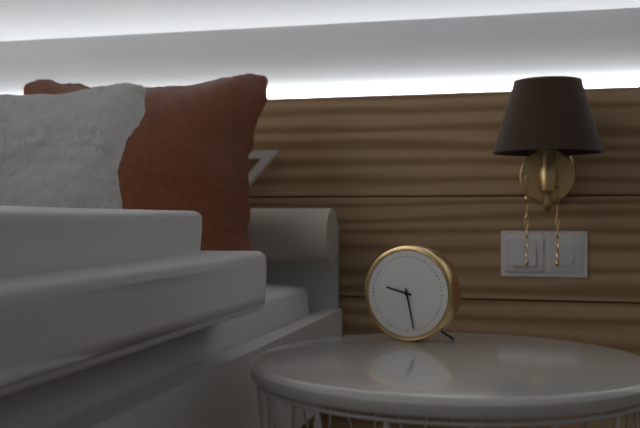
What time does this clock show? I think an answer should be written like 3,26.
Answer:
9,28
